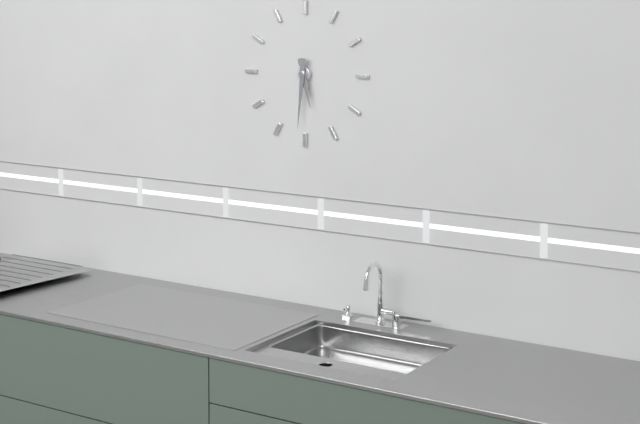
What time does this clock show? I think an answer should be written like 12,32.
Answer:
5,31
